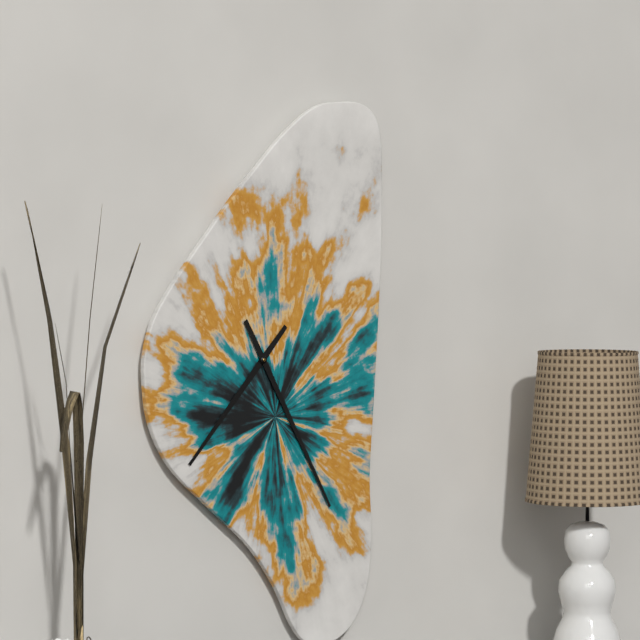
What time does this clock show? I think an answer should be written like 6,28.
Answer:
7,25
